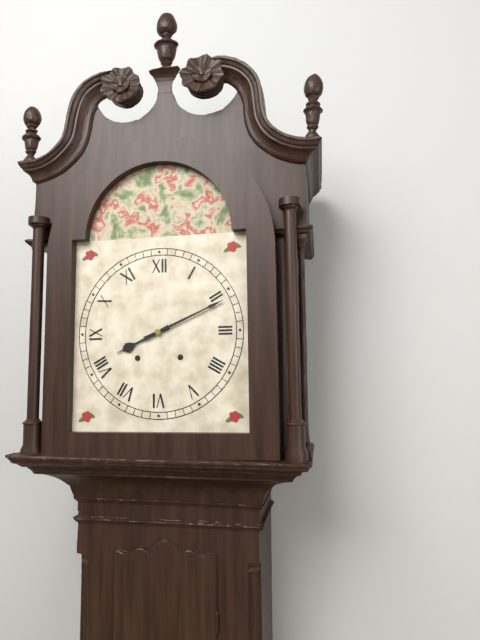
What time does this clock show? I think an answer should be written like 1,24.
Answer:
8,11
